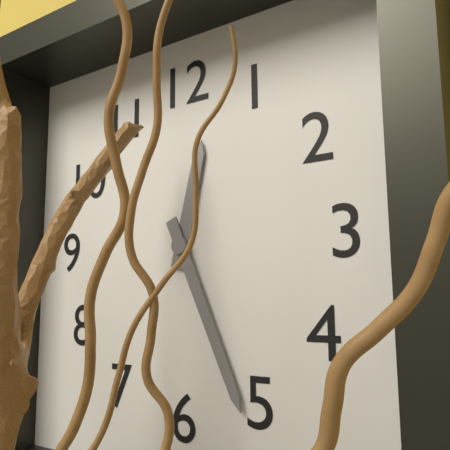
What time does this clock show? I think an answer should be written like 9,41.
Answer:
12,26
